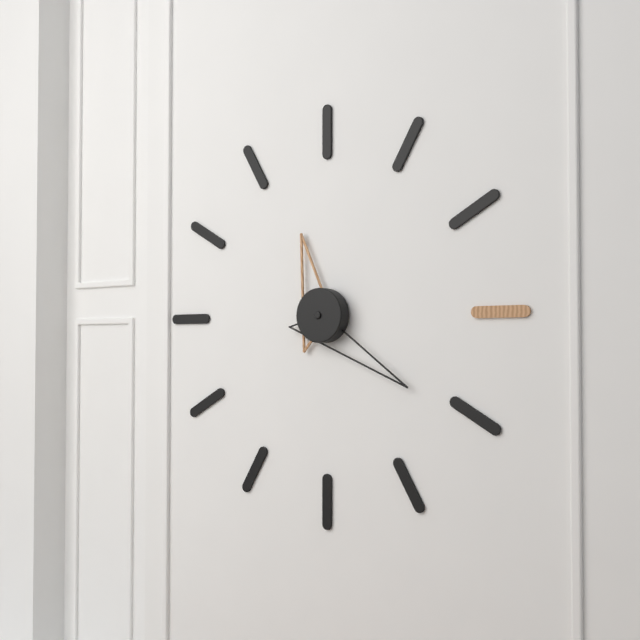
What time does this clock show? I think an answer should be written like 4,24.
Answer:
11,21
